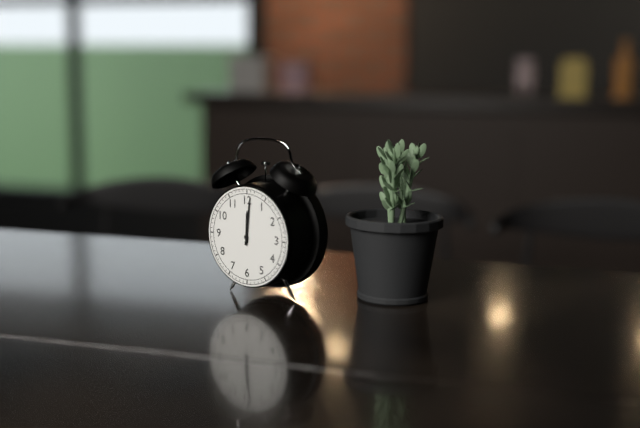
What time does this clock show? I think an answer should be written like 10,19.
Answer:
12,01
